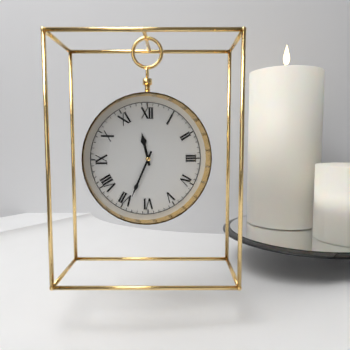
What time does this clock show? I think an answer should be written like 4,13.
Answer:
11,34
